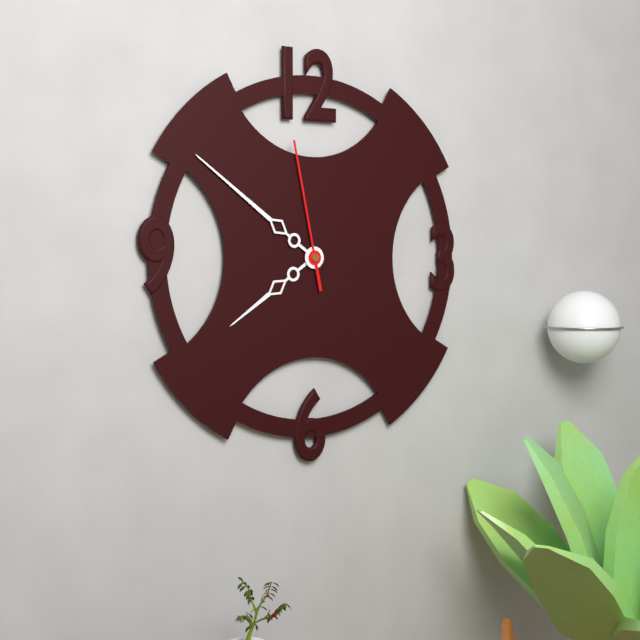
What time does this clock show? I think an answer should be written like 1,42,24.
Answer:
7,51,58
